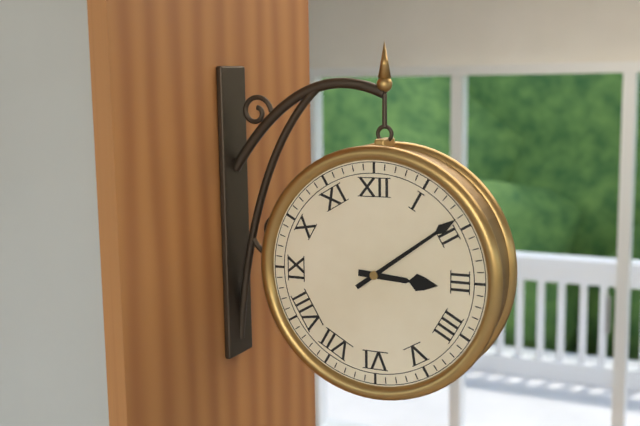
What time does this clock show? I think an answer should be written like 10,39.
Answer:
3,09
